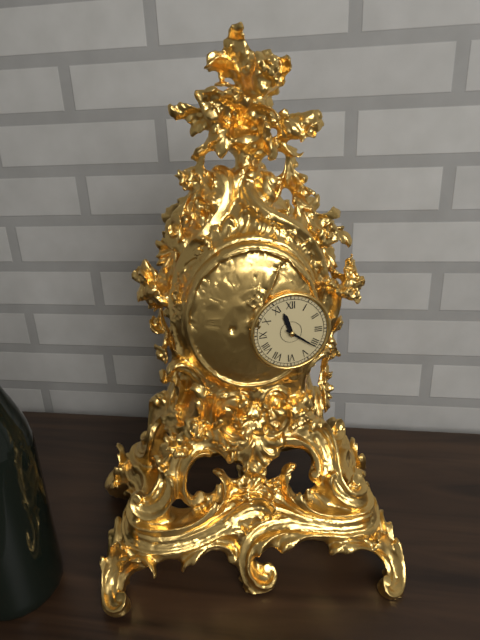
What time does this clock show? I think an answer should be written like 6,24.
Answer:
11,21
